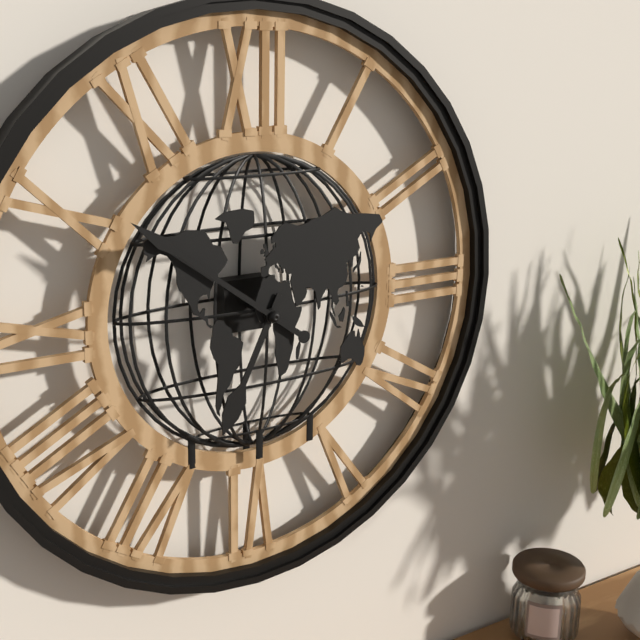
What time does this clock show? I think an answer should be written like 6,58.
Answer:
6,51
